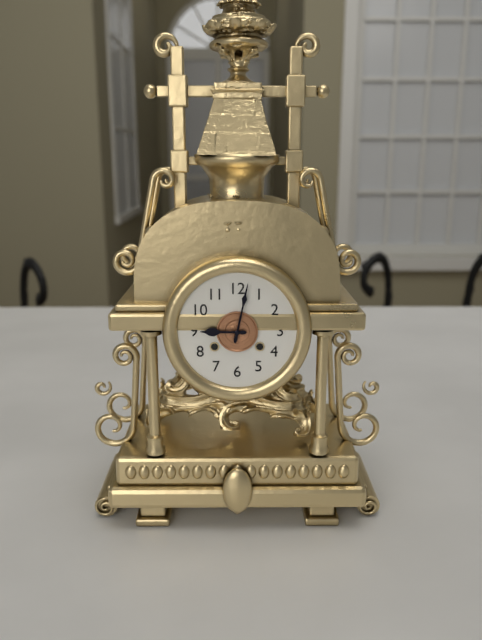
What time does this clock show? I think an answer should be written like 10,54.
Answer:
9,02
